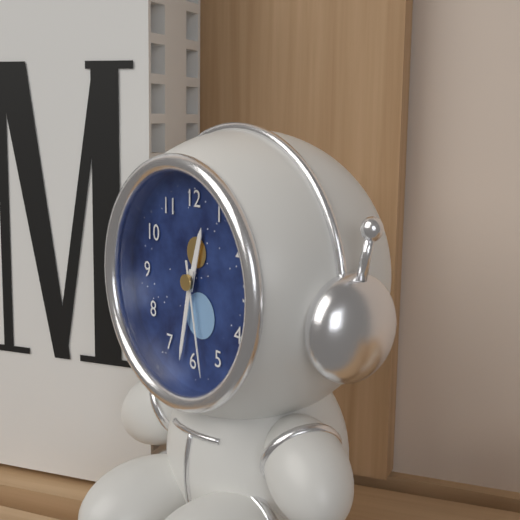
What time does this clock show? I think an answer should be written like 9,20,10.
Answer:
12,32,28
